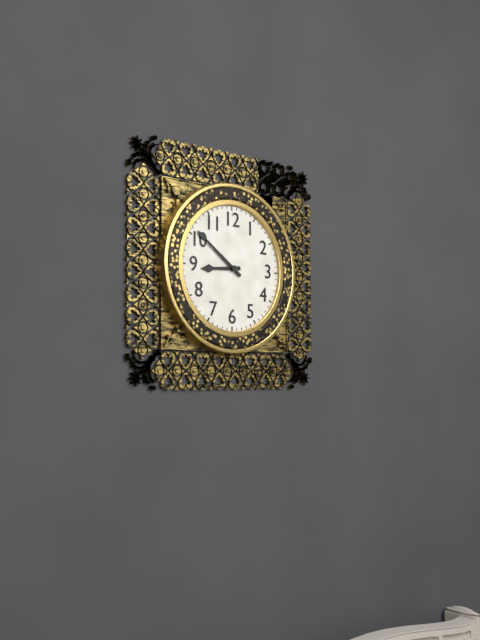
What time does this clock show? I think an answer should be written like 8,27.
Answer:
8,51
